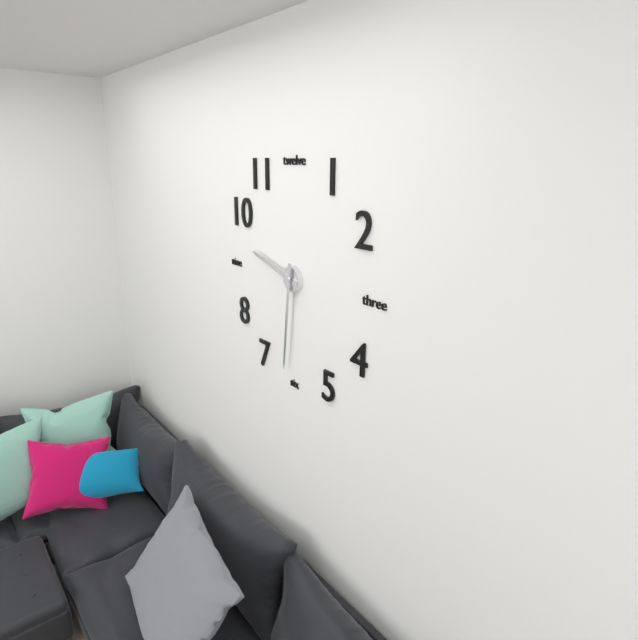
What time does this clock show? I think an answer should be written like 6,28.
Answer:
9,31
